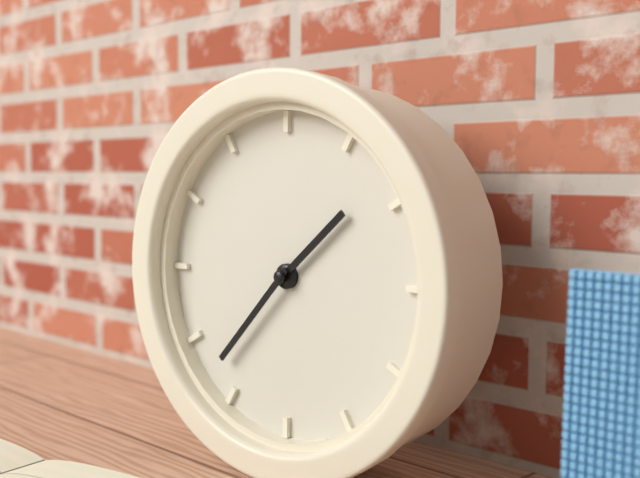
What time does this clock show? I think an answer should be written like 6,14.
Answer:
1,37
